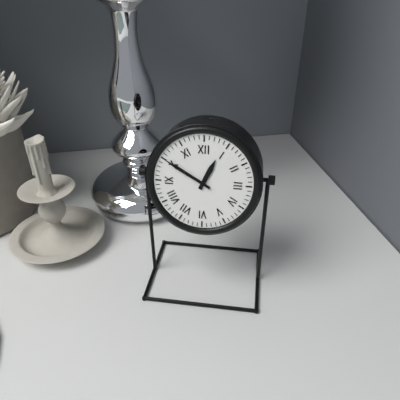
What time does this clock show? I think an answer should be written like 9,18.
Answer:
12,50
